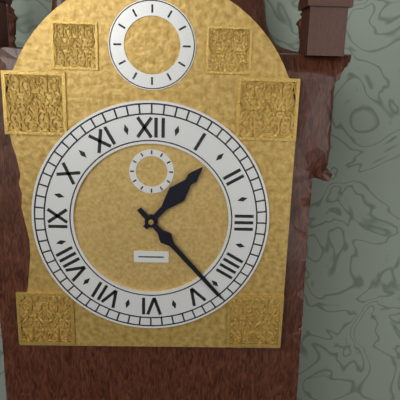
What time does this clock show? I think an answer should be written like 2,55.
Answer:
1,23
